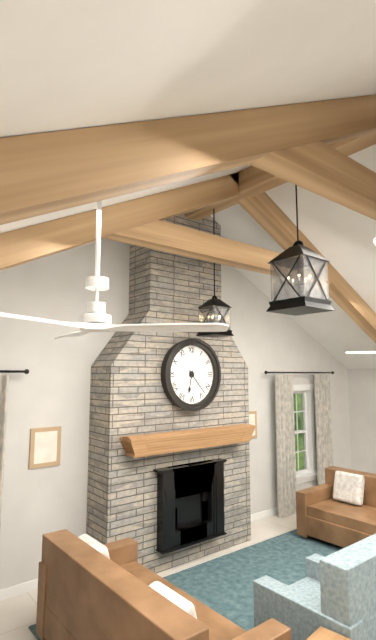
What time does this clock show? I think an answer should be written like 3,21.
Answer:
6,23
